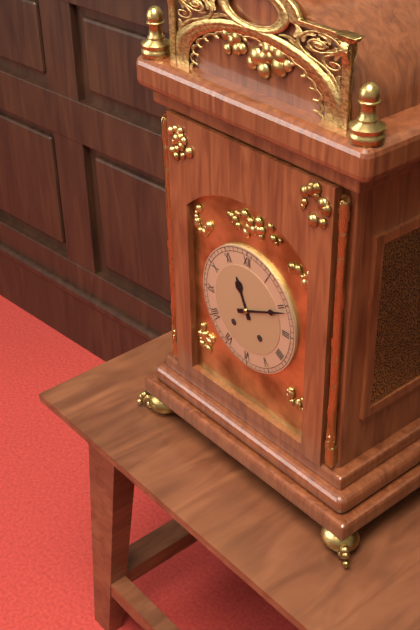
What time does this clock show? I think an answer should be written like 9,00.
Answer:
11,11
